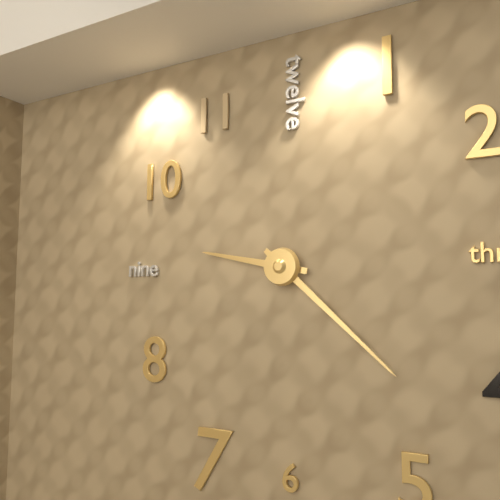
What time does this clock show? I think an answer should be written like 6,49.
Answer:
9,22
